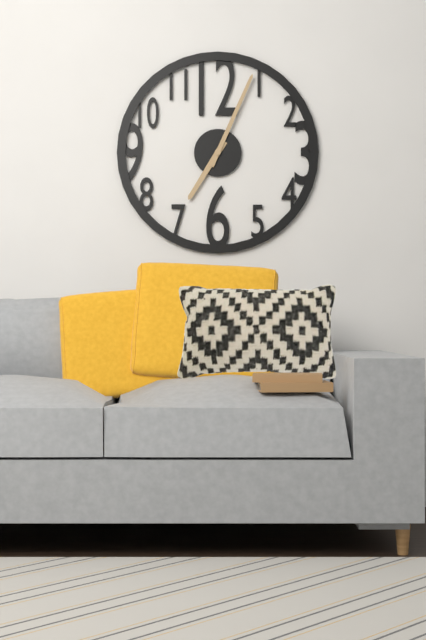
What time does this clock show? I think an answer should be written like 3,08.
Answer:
7,04
